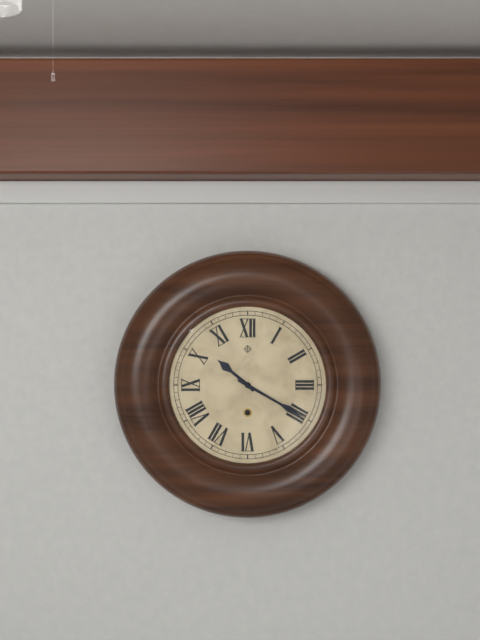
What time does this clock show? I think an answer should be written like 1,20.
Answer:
10,20
